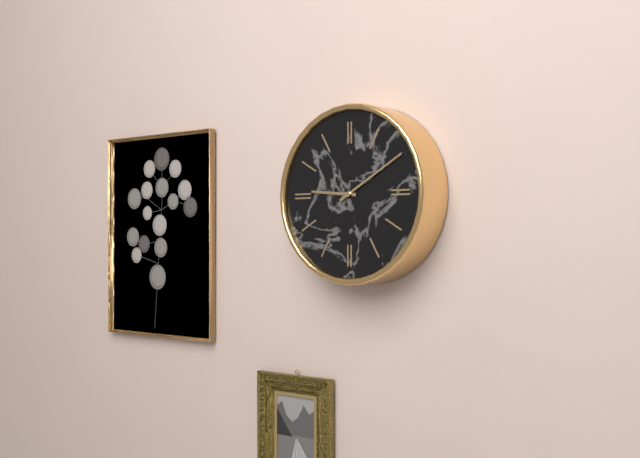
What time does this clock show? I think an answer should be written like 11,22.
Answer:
9,10
